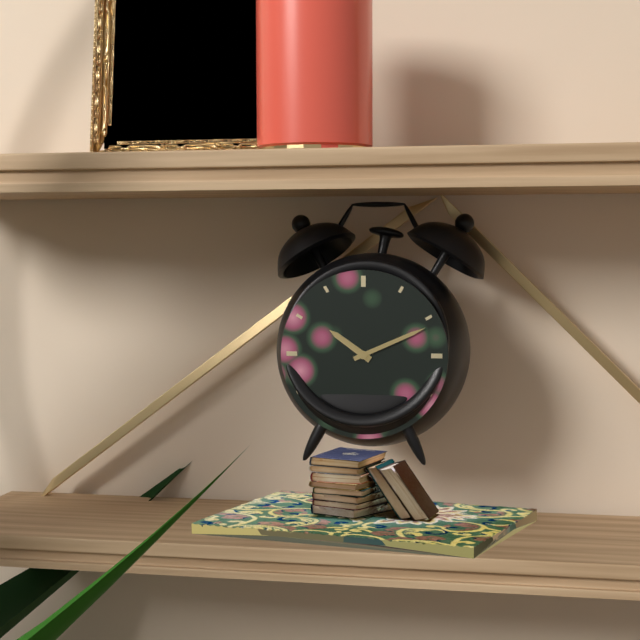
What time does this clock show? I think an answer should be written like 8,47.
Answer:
10,11
